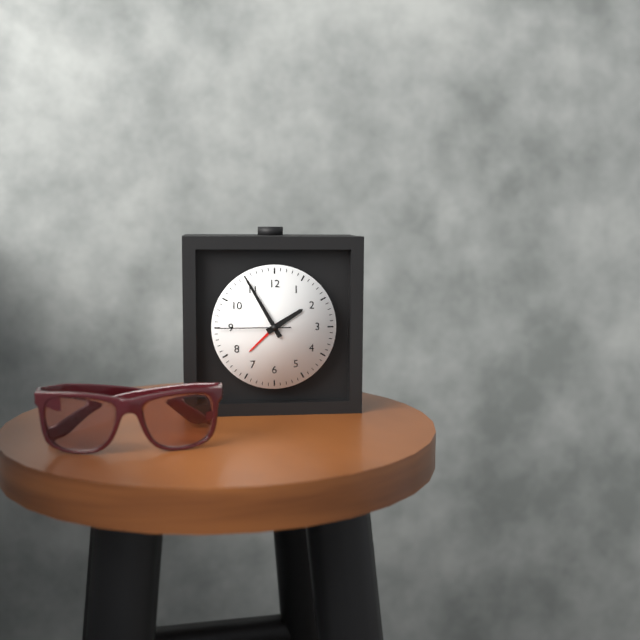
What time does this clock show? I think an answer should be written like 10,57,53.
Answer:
1,55,45
